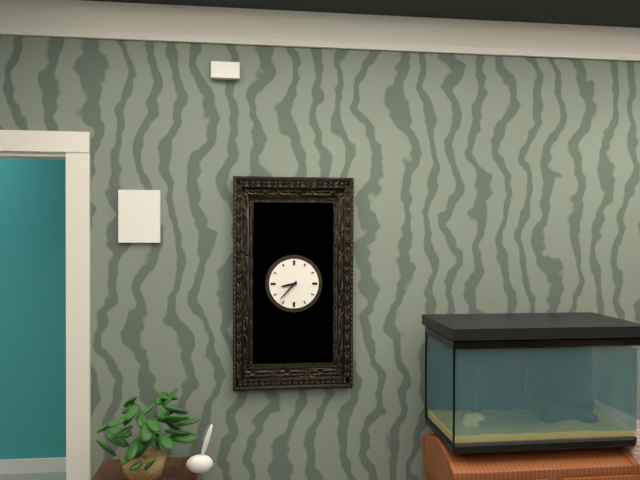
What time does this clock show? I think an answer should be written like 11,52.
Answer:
8,37
